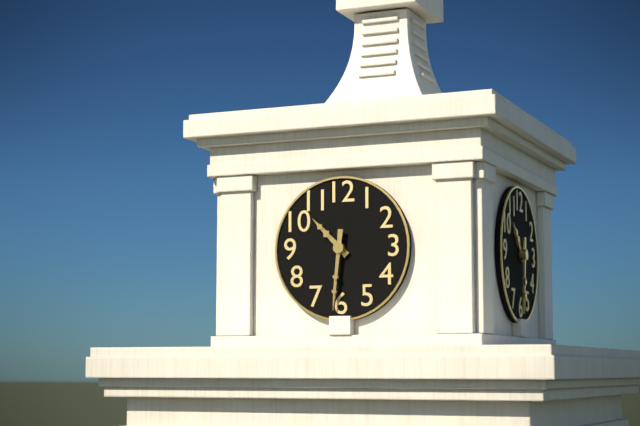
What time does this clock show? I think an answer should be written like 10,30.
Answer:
10,31
